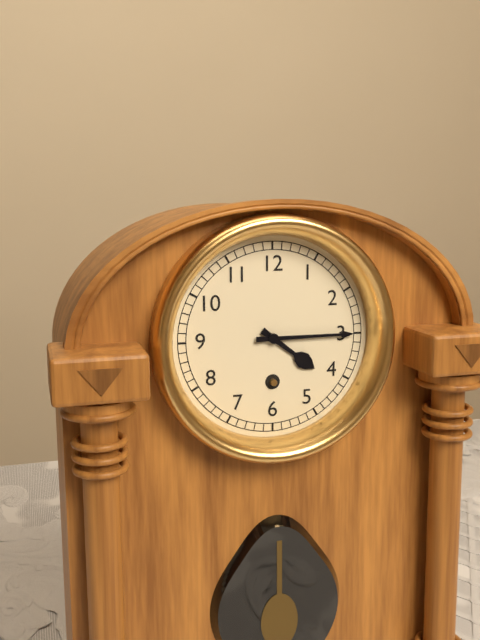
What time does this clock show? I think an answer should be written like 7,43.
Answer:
4,15
